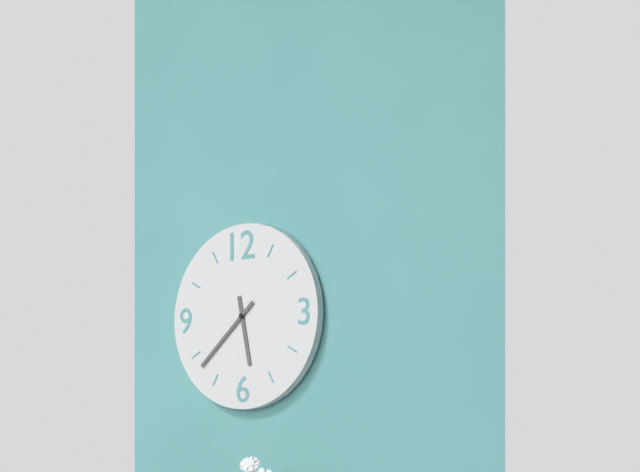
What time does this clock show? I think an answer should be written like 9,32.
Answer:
5,38
